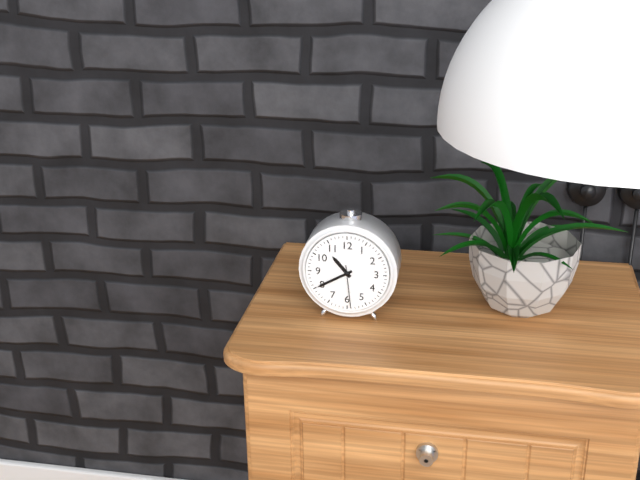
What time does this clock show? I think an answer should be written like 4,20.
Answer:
10,40
